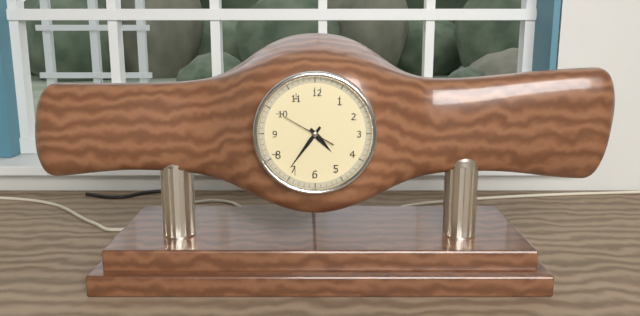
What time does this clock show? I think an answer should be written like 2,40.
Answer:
4,36
